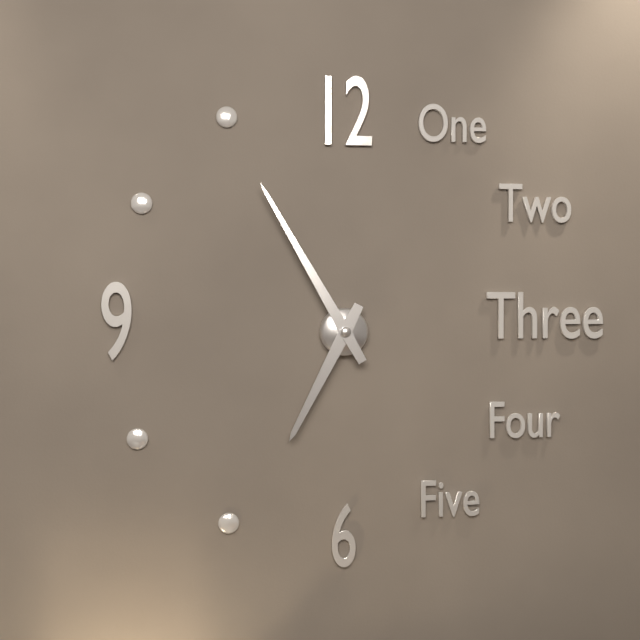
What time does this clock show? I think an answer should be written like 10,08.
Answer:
6,55
